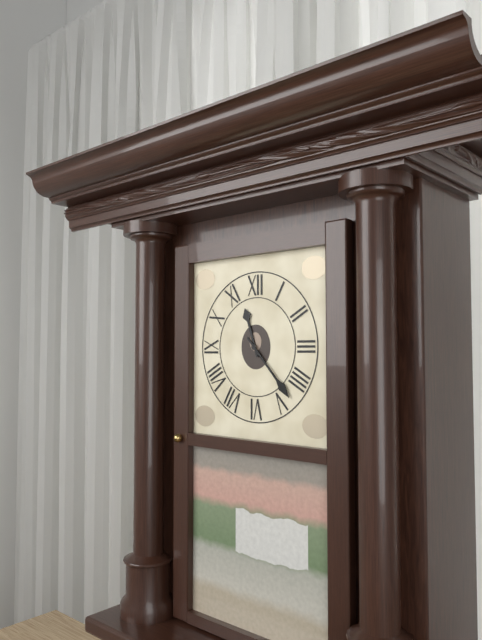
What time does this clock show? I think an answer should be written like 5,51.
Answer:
11,23
